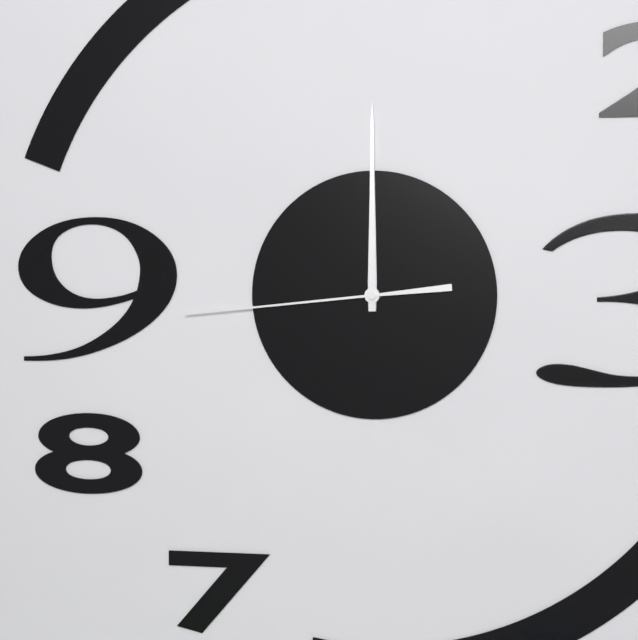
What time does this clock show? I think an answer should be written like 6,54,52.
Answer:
12,00,44
